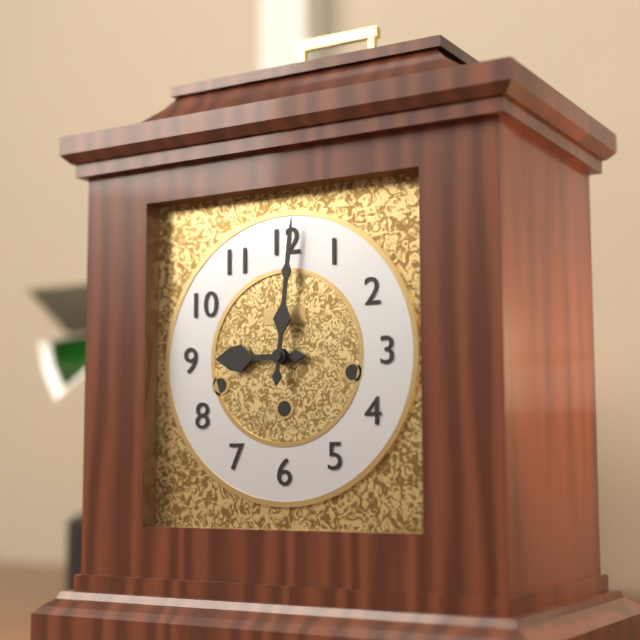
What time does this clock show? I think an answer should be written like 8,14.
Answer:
9,01
